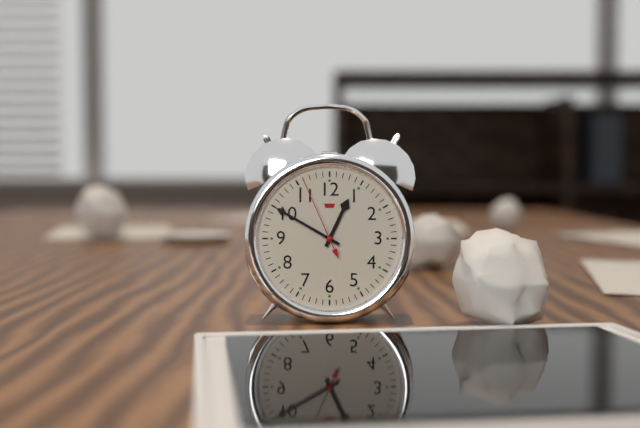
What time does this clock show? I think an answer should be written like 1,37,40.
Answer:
12,50,56
